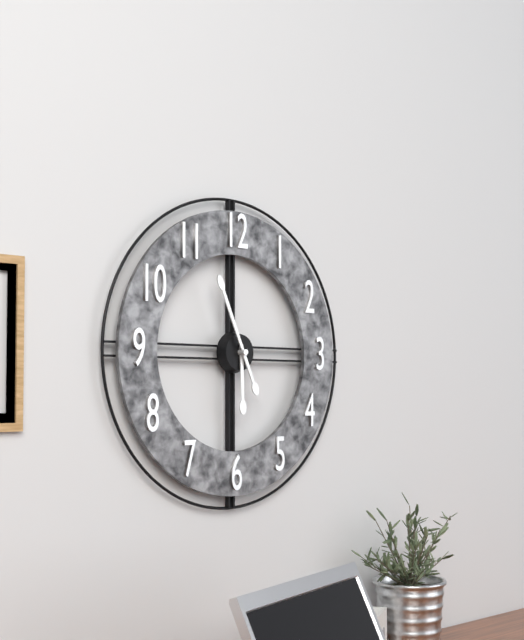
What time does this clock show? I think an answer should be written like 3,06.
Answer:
5,56
